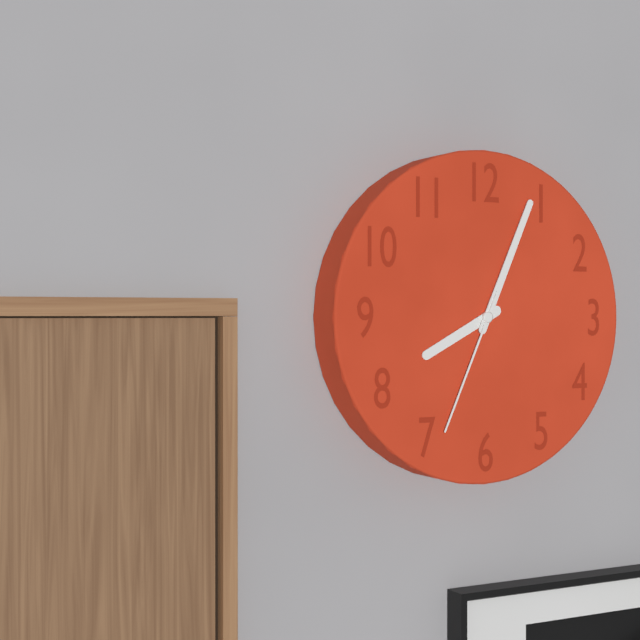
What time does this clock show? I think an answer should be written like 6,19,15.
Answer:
8,04,34
